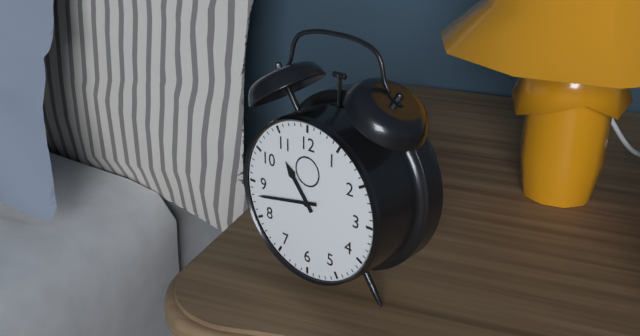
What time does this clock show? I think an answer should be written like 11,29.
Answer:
10,43
